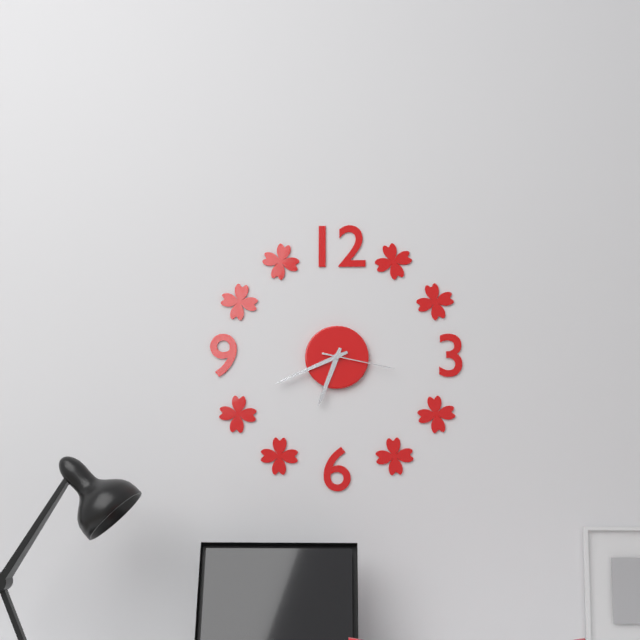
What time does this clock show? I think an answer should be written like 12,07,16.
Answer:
6,41,17
